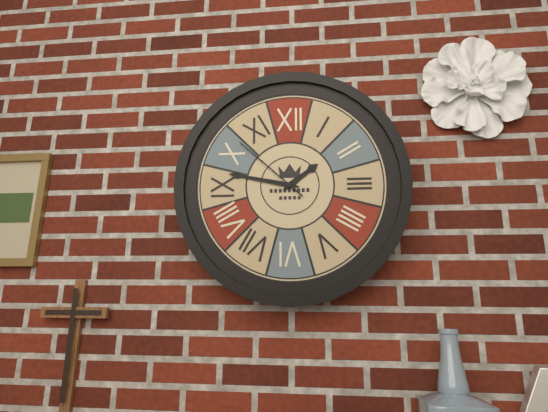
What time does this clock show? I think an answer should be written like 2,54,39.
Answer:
1,47,52
